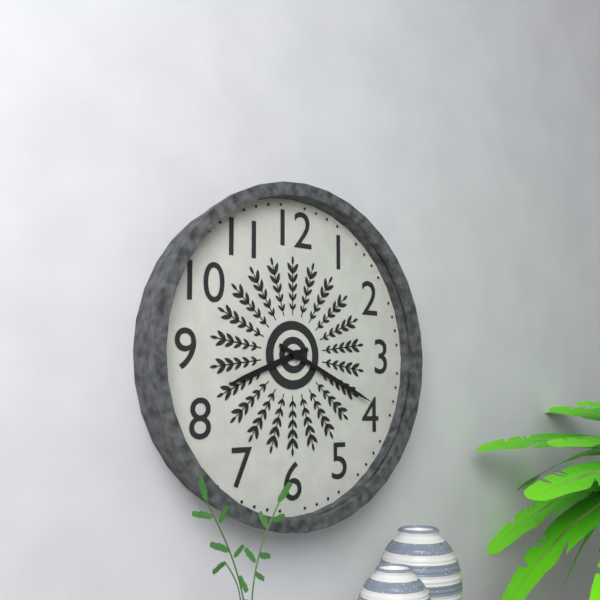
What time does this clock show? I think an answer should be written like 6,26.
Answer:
8,19
